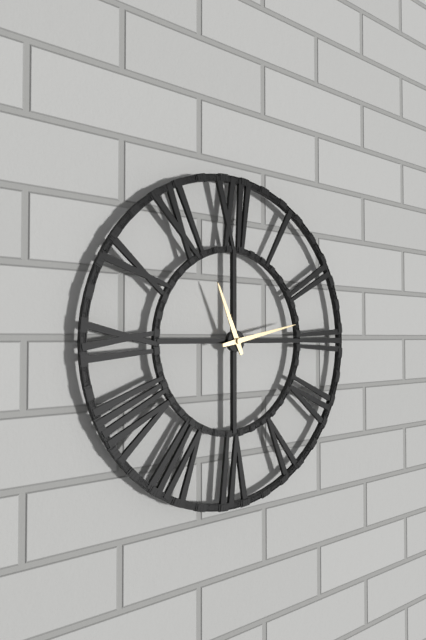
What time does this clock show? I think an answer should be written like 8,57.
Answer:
11,13
